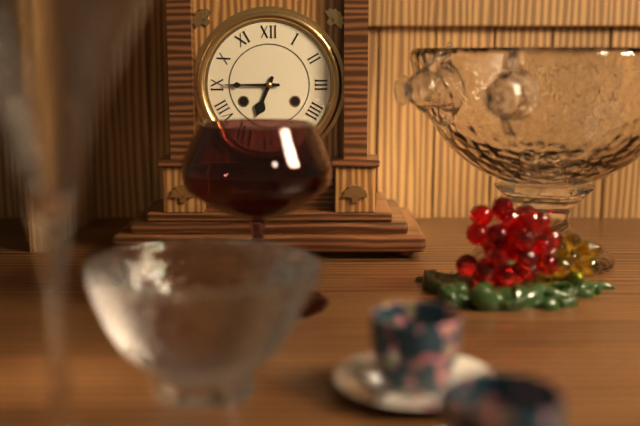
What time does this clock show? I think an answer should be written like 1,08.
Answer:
6,45
